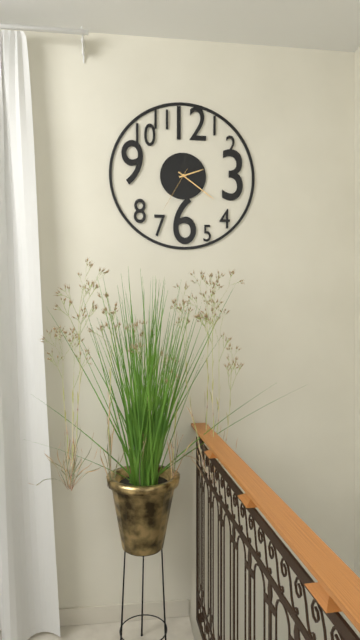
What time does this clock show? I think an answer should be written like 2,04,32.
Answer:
2,21,35
